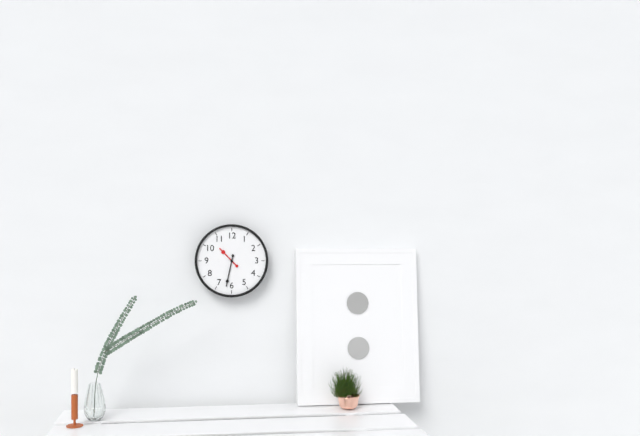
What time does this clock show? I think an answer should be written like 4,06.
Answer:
10,32
